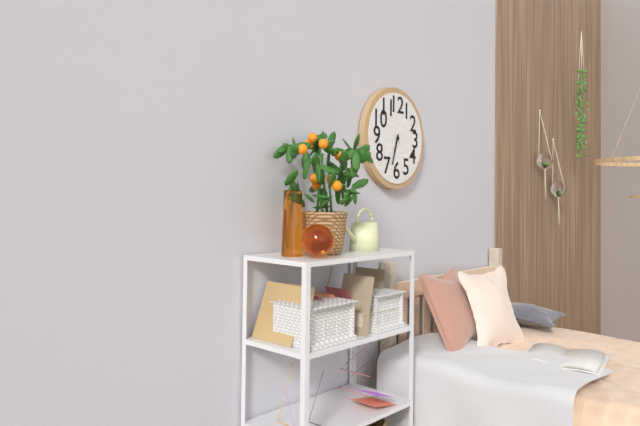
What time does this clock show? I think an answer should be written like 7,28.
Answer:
6,33
